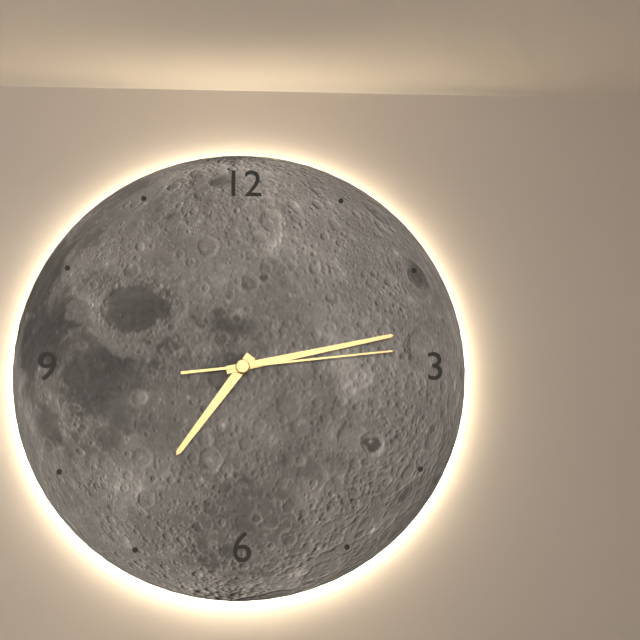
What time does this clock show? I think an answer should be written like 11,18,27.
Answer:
7,13,14
